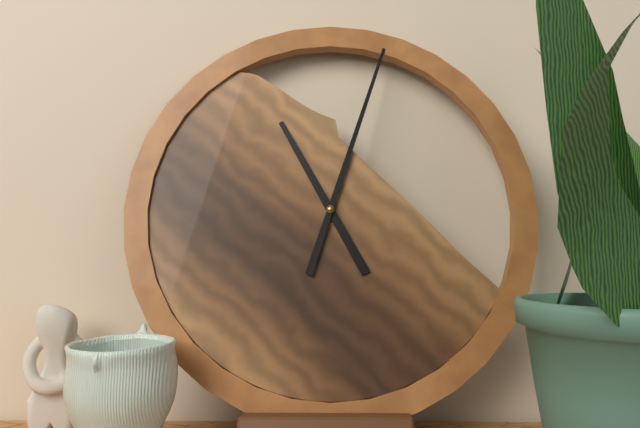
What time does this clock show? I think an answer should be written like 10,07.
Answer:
11,03
